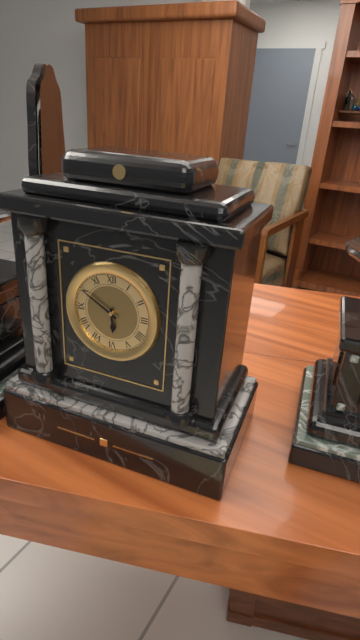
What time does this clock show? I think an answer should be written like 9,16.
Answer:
5,50
